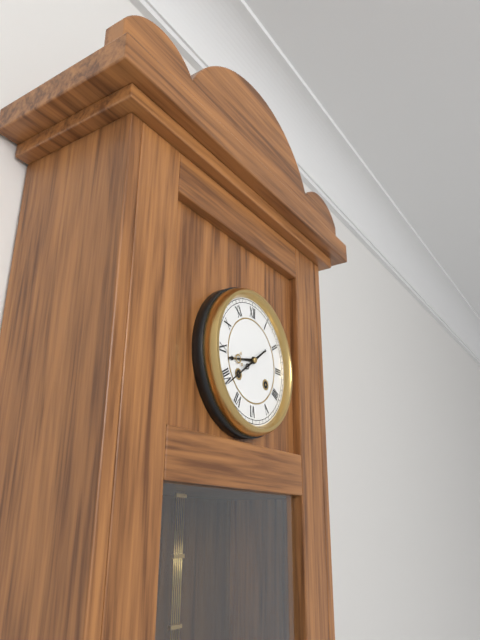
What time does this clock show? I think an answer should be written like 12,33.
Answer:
8,39
